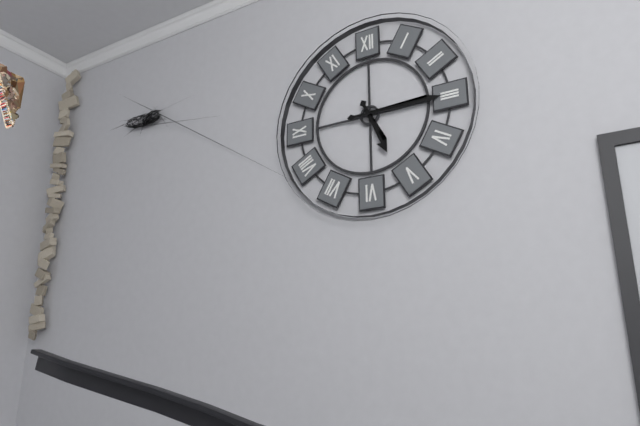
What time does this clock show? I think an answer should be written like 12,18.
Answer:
5,15
